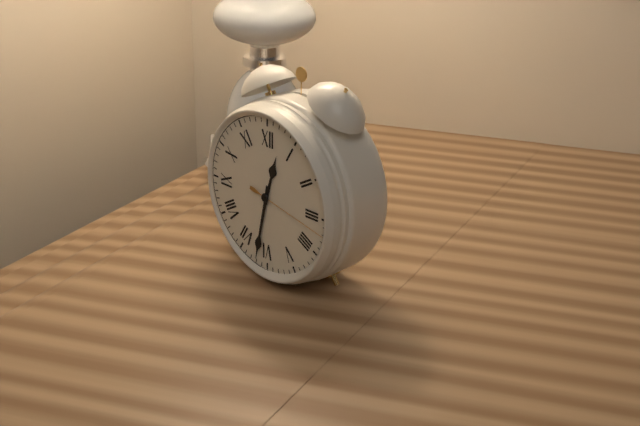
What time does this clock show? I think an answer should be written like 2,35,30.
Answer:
12,32,17
